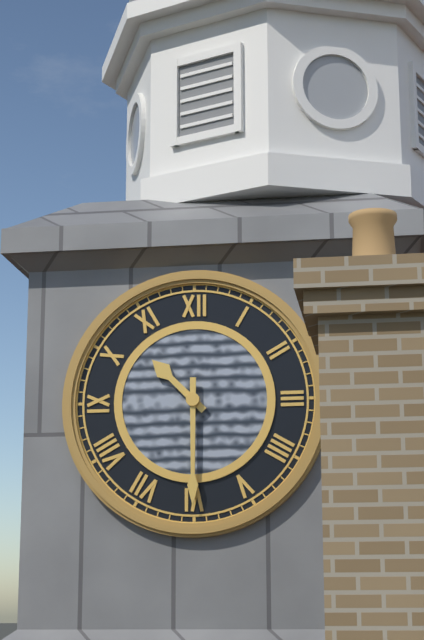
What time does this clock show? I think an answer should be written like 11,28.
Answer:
10,30
